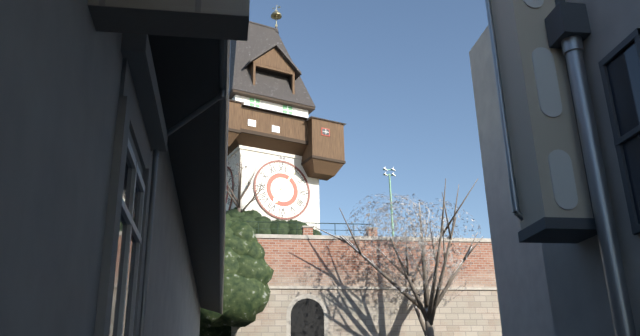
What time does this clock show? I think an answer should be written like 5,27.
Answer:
7,05
